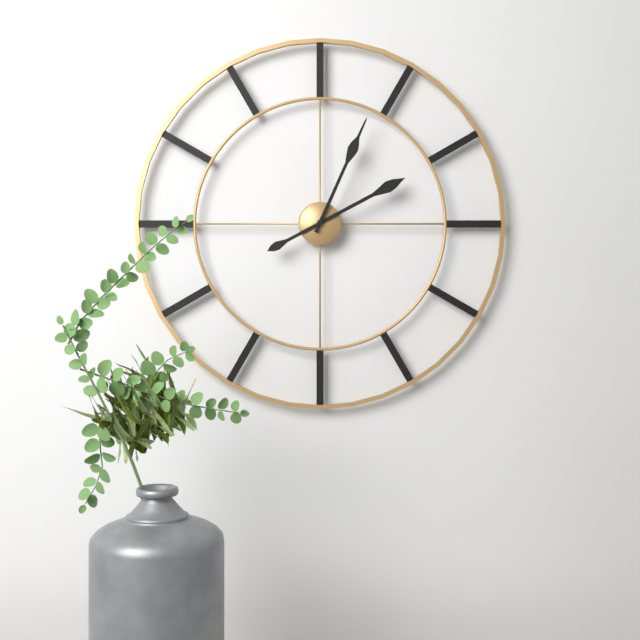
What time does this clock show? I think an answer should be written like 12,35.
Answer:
2,04
